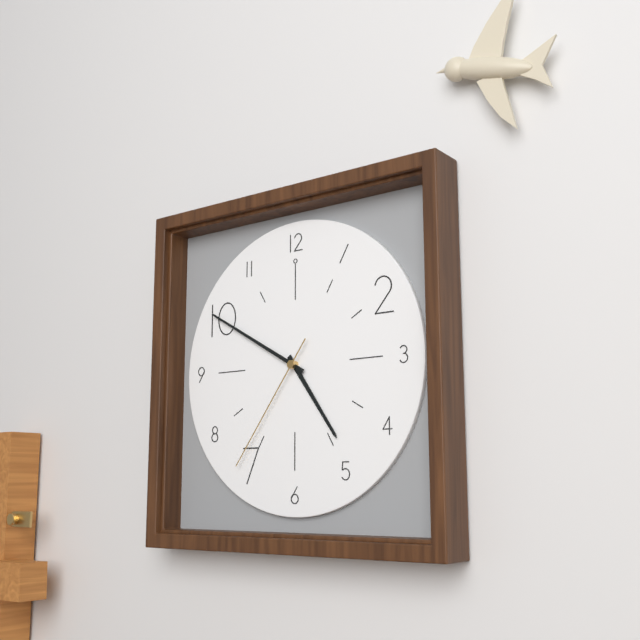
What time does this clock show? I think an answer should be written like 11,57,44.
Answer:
4,50,36
